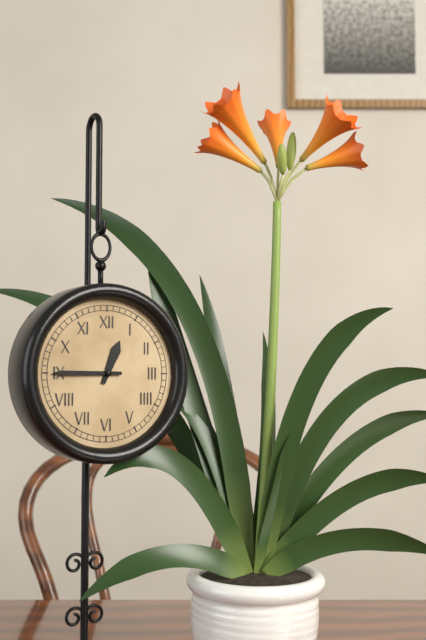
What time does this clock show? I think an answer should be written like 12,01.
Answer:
12,45
